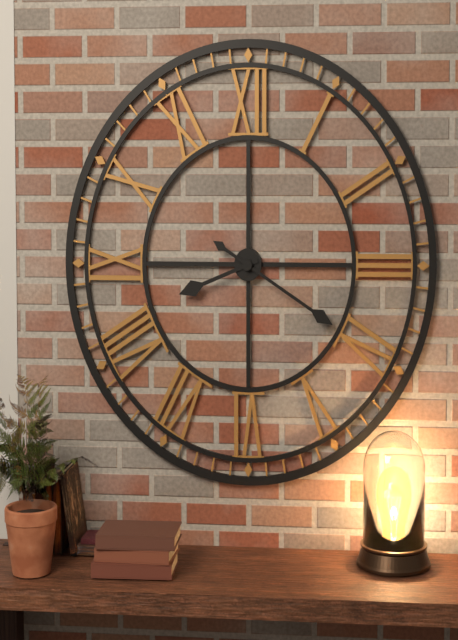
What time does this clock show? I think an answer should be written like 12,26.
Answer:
8,20
